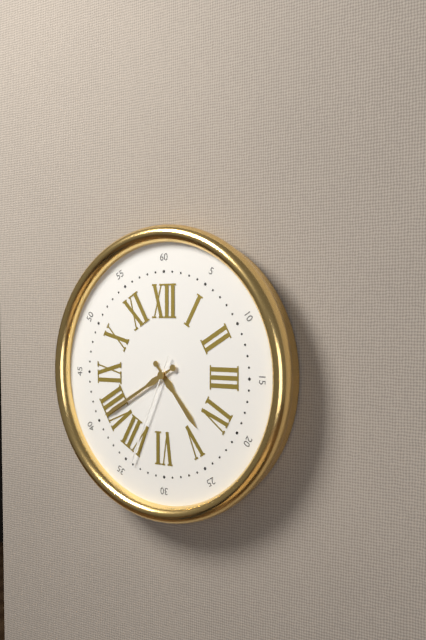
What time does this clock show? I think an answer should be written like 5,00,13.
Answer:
4,40,34
